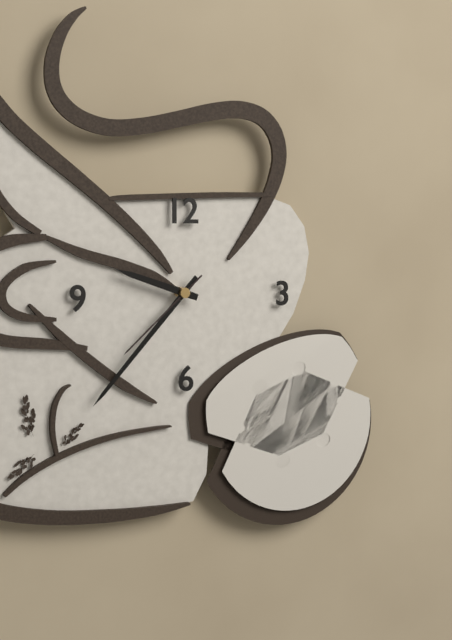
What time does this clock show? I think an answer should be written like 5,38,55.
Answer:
9,37,38
